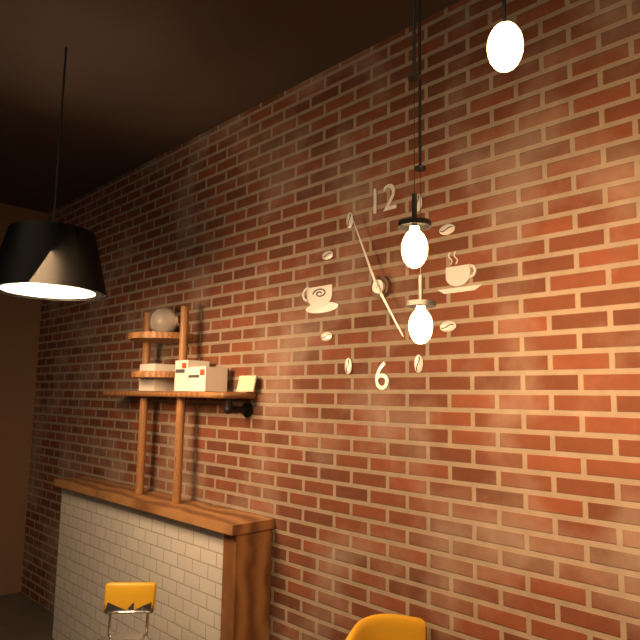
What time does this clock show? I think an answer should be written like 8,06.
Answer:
4,56
